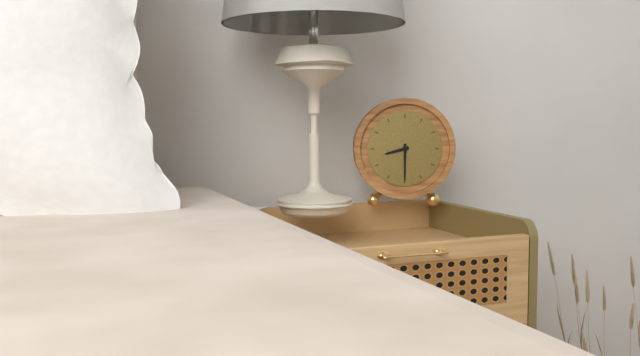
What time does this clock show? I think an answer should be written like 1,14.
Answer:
8,30
